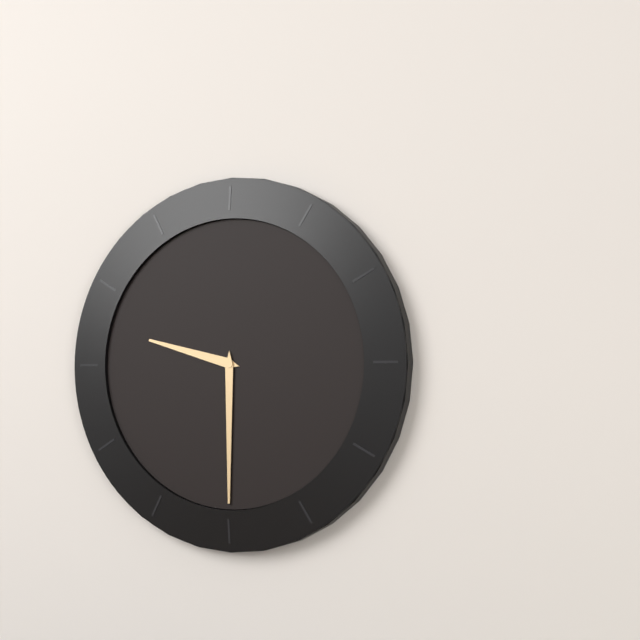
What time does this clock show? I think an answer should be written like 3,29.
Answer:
9,30
